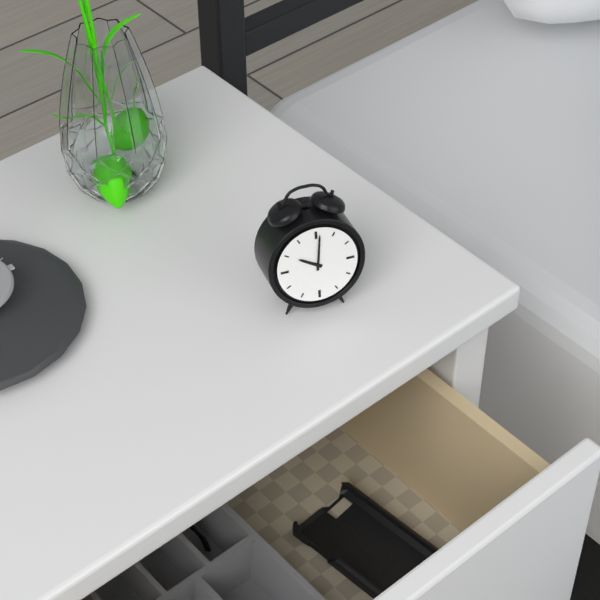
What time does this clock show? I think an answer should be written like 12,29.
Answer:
10,01
